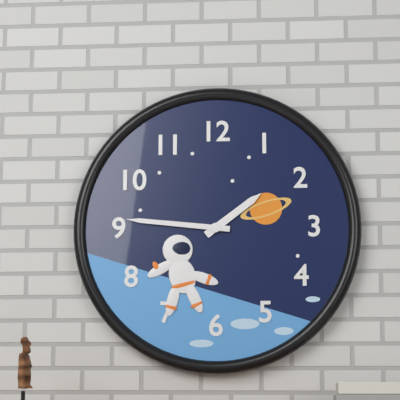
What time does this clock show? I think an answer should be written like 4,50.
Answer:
1,46
